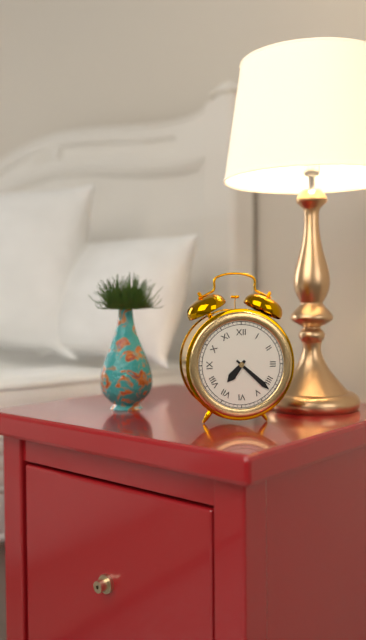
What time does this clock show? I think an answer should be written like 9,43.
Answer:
7,22
